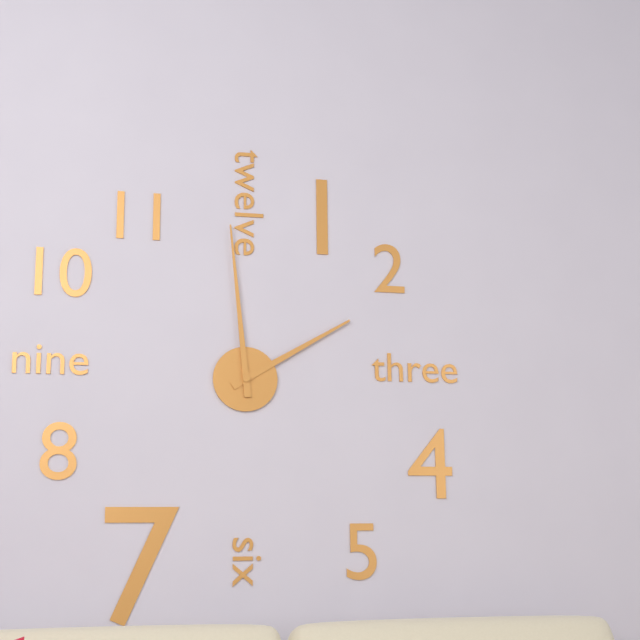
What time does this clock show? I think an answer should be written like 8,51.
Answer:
1,59
